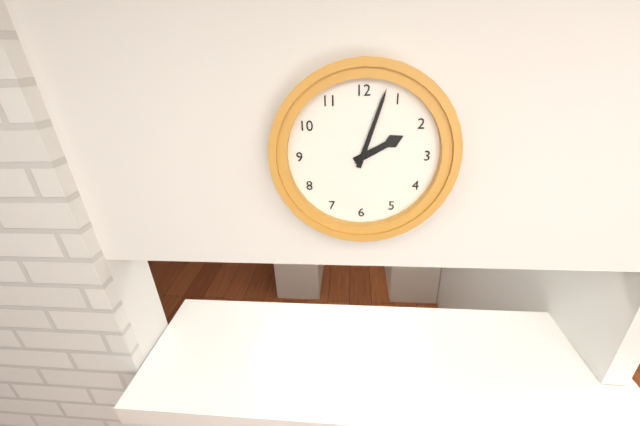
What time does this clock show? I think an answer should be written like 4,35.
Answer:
2,03
